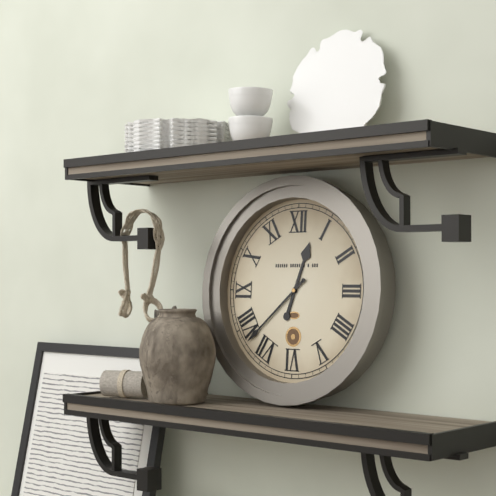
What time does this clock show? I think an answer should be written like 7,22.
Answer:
12,38
